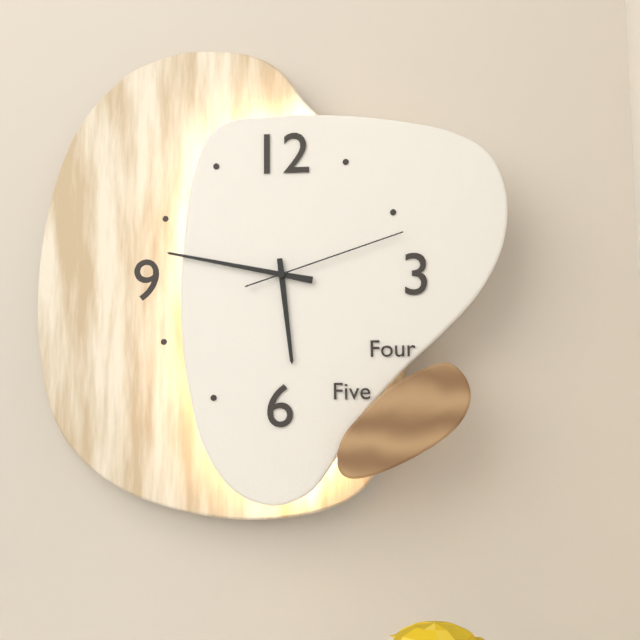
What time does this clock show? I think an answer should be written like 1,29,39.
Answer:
5,47,12
